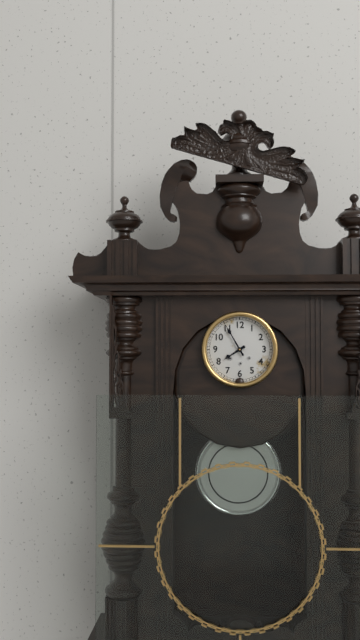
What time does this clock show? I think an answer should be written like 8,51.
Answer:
7,55
